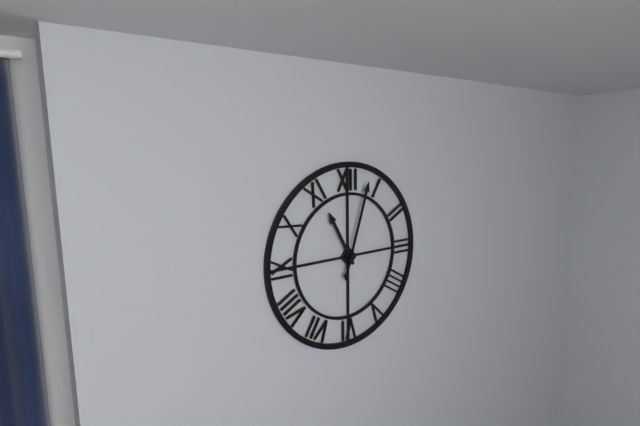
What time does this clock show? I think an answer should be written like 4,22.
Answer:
11,03
